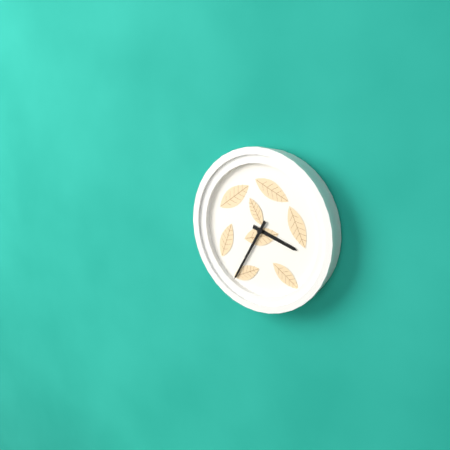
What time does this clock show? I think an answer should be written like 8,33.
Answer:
3,35
